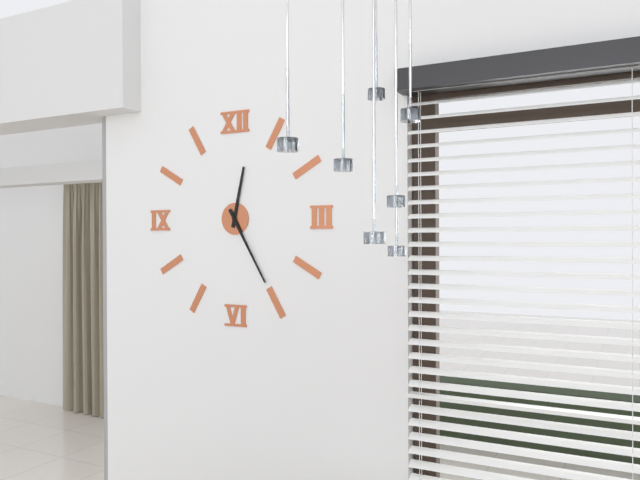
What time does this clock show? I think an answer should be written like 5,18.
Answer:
12,25
